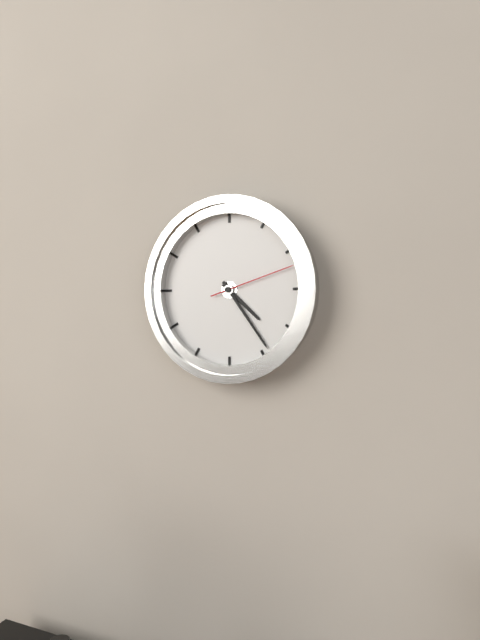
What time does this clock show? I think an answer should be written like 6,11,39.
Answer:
4,24,12
